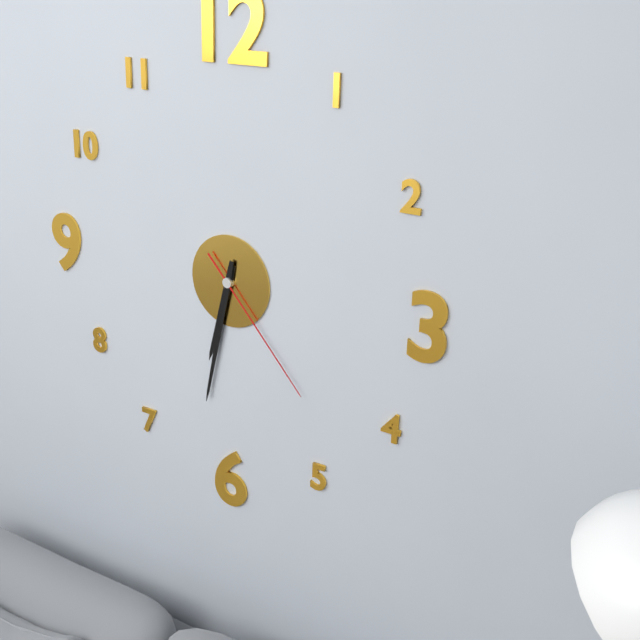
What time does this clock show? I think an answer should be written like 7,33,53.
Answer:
6,32,23
